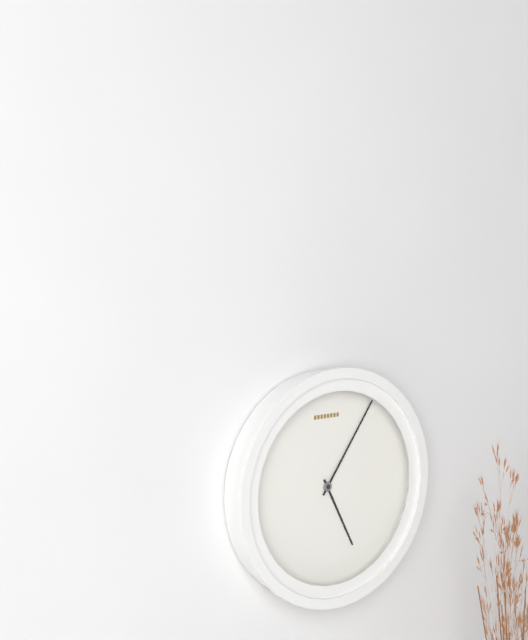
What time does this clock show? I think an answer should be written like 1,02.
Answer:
5,06
